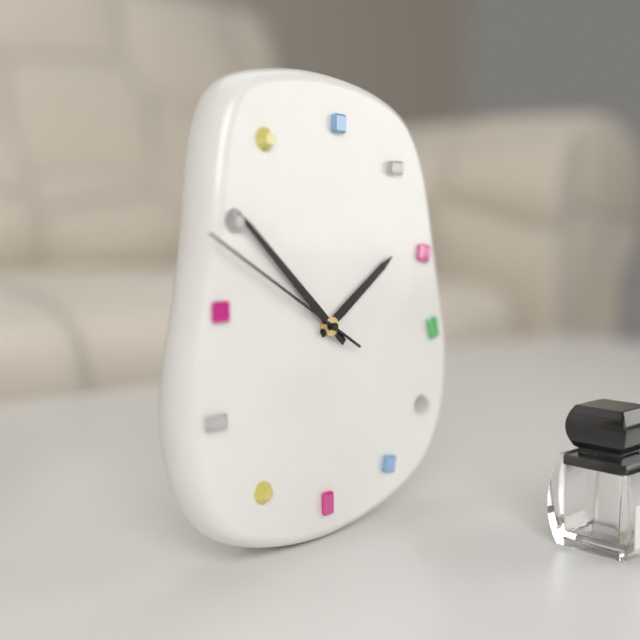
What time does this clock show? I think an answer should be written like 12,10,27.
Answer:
1,52,50
